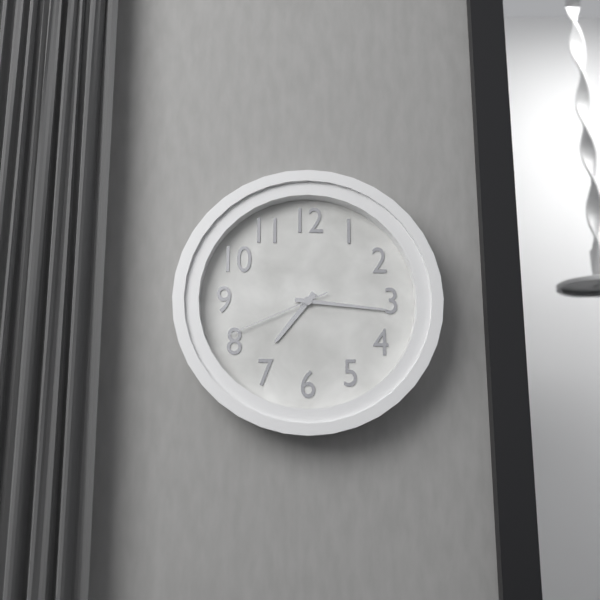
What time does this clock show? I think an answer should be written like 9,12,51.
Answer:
7,16,41
